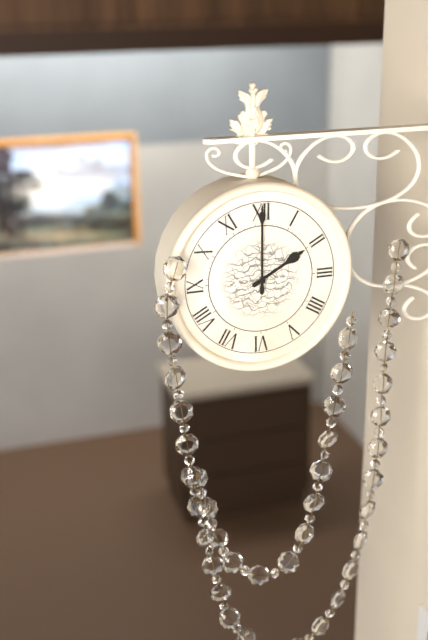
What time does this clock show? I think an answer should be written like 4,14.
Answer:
2,00
